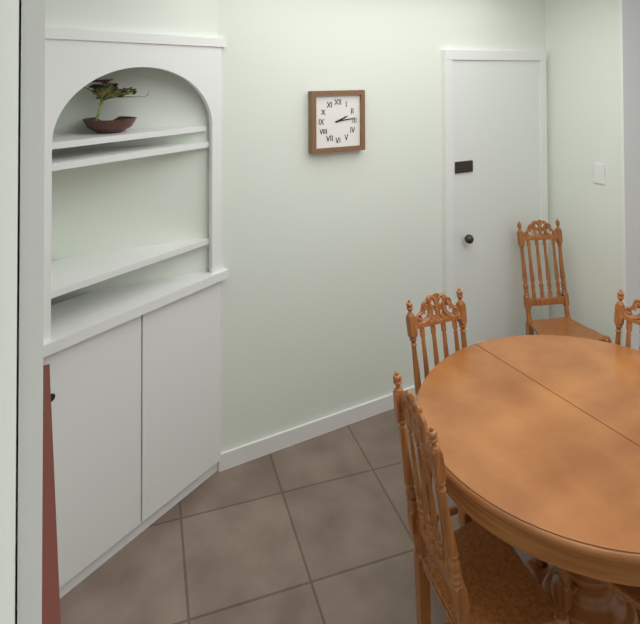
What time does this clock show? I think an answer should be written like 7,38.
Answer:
2,14
